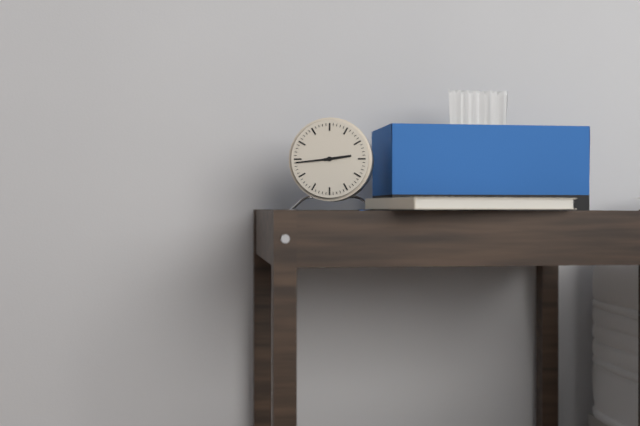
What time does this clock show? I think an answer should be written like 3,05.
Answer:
2,44
